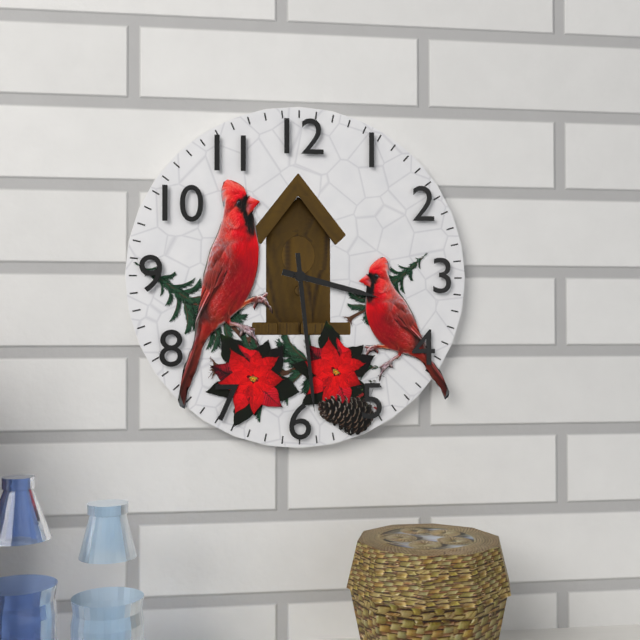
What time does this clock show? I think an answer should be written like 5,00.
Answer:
3,29
